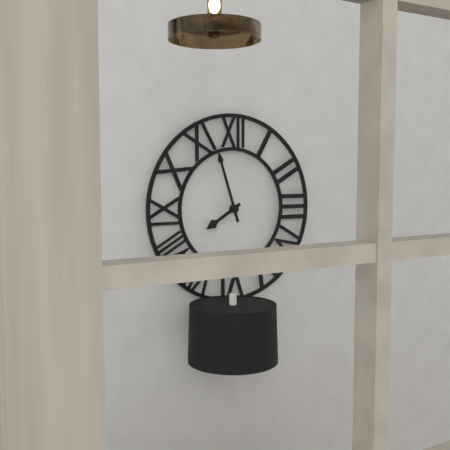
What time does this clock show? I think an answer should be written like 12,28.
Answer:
7,57
